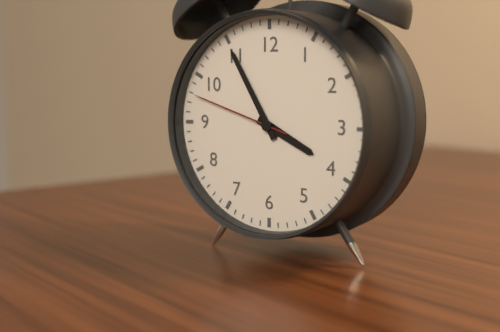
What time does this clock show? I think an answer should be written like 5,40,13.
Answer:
3,55,48
